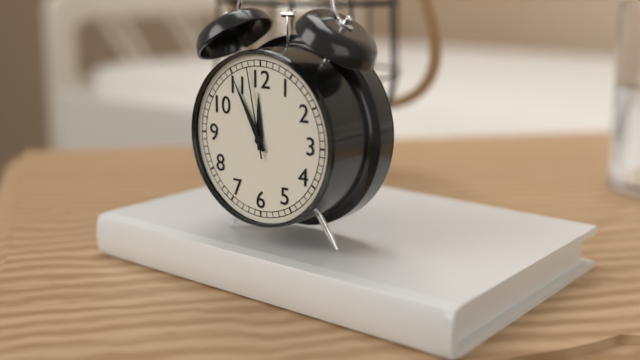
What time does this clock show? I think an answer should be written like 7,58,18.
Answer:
11,55,58
